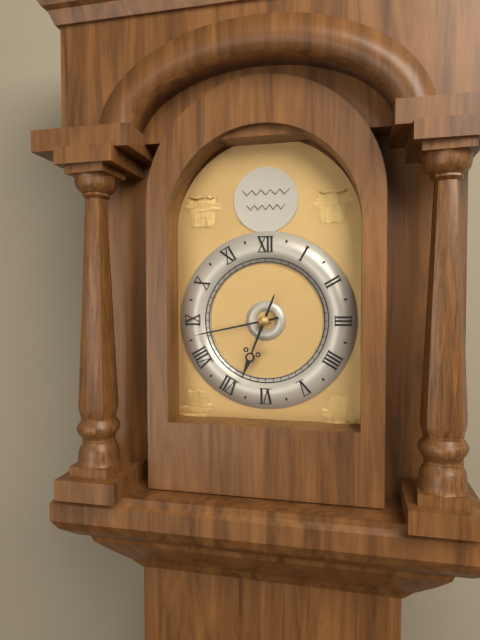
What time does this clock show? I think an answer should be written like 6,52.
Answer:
6,43
